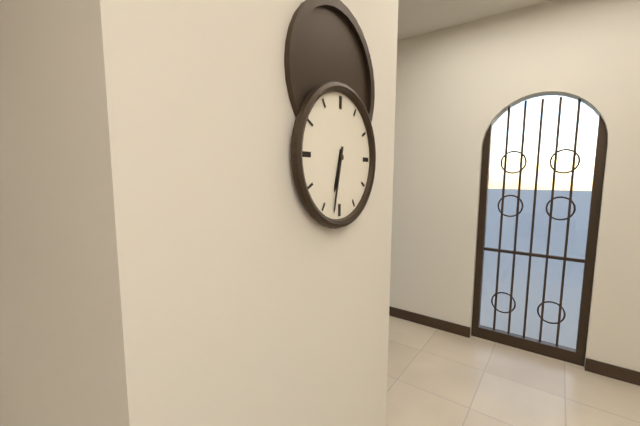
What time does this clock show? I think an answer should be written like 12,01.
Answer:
6,32
